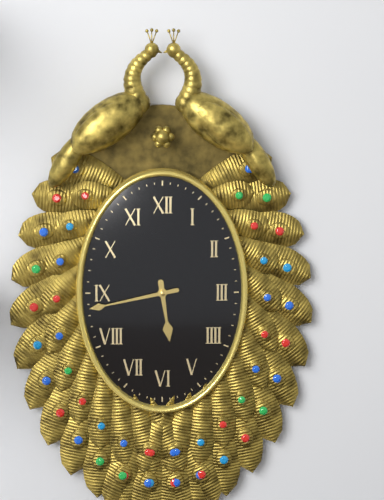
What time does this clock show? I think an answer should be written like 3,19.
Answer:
5,43
